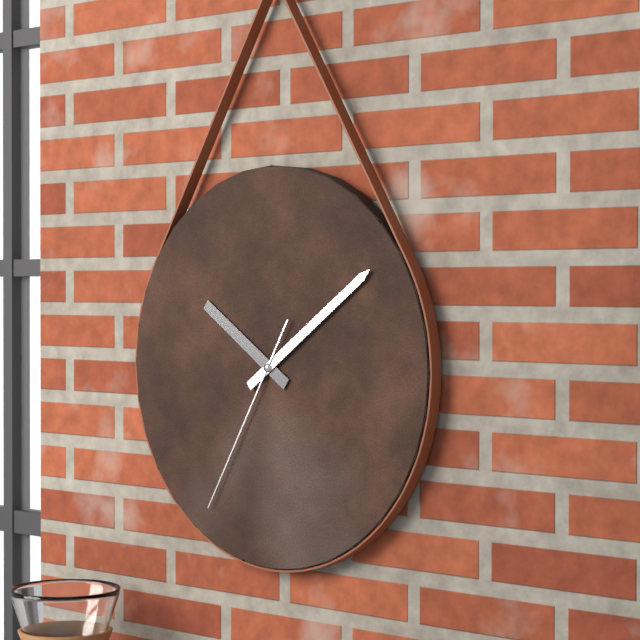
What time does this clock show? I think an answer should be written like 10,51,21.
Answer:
10,09,35
